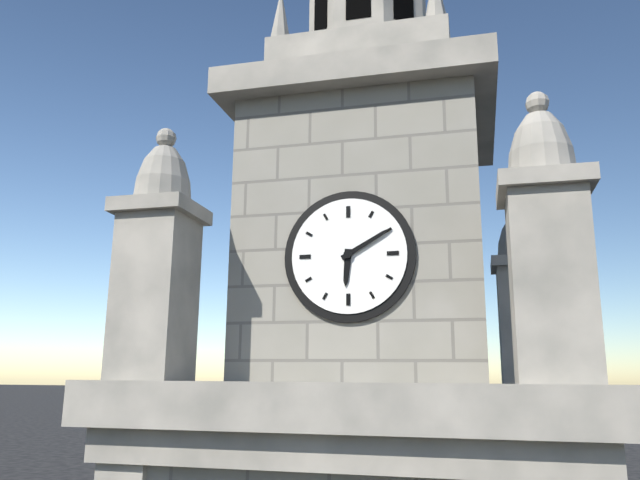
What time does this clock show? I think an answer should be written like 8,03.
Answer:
6,10
